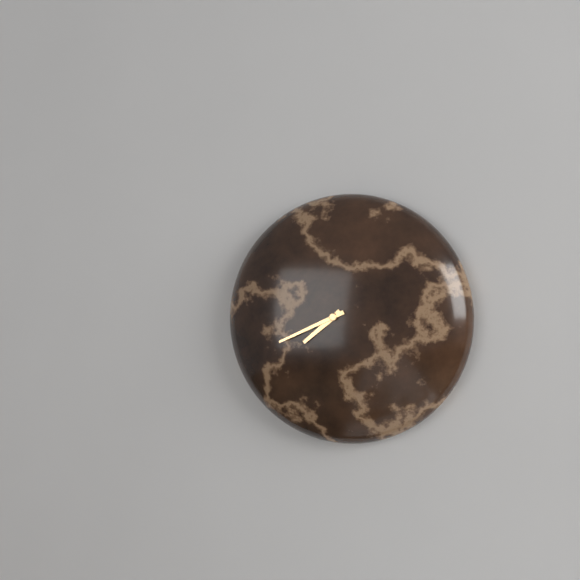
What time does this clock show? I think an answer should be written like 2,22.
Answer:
7,41
